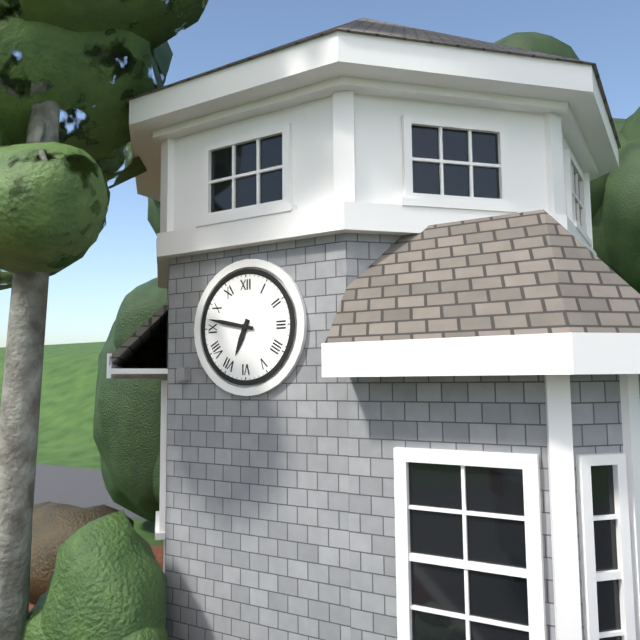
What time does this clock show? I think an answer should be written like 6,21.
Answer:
6,47
